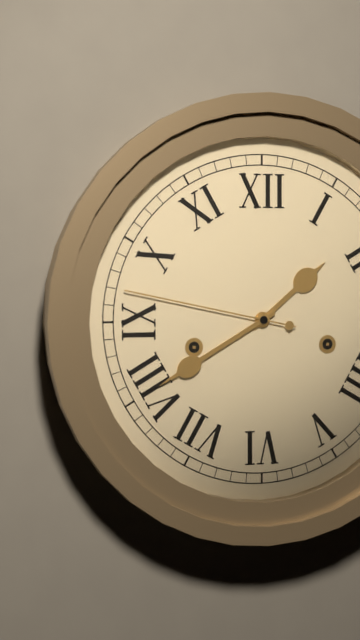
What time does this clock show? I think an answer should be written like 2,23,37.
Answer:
1,40,47
